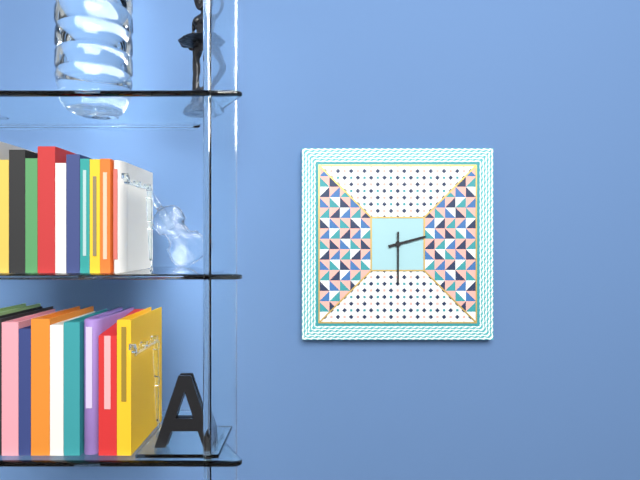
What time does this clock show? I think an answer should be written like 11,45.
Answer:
2,30
